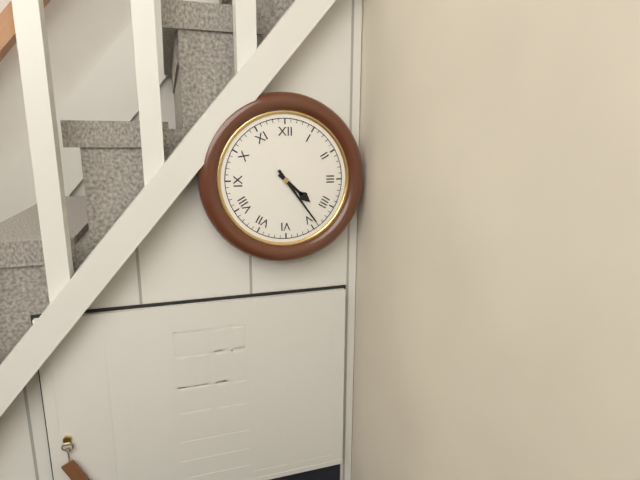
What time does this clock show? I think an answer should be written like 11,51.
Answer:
4,24
